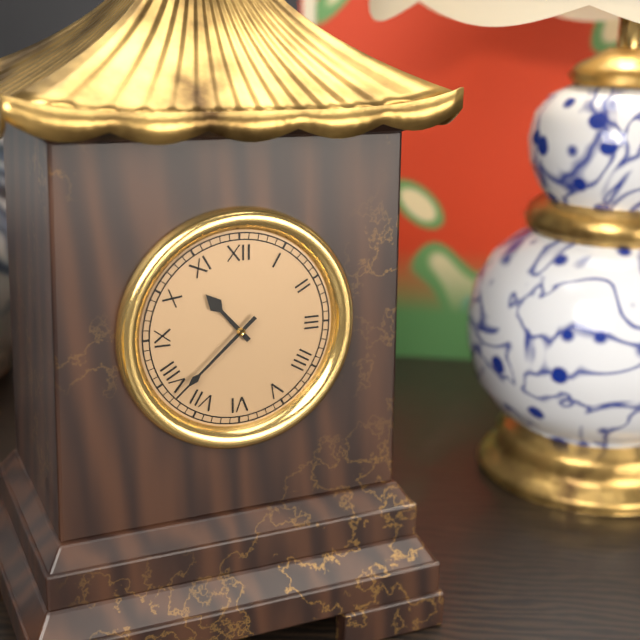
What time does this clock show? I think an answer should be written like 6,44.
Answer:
10,38
